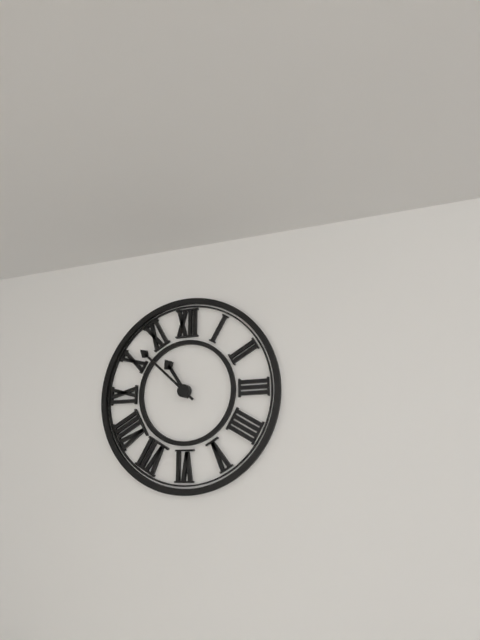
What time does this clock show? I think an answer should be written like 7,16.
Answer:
10,52
